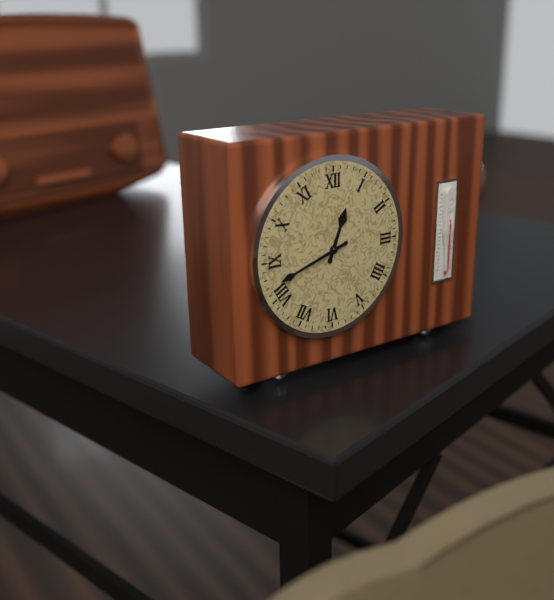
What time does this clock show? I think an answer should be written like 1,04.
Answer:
12,42
